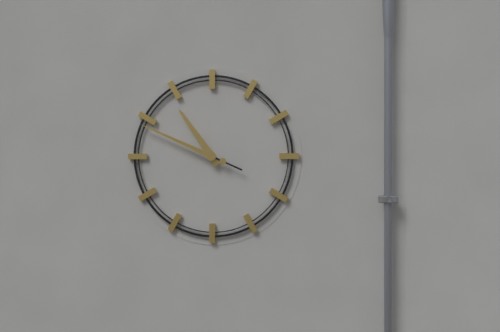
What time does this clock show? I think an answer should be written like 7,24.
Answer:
10,49
